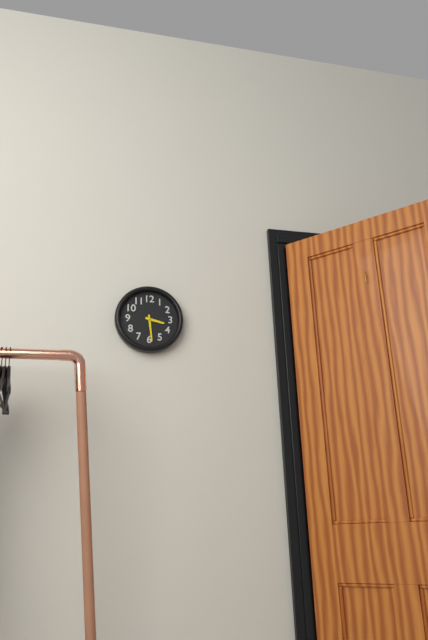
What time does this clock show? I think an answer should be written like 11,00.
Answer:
3,29
